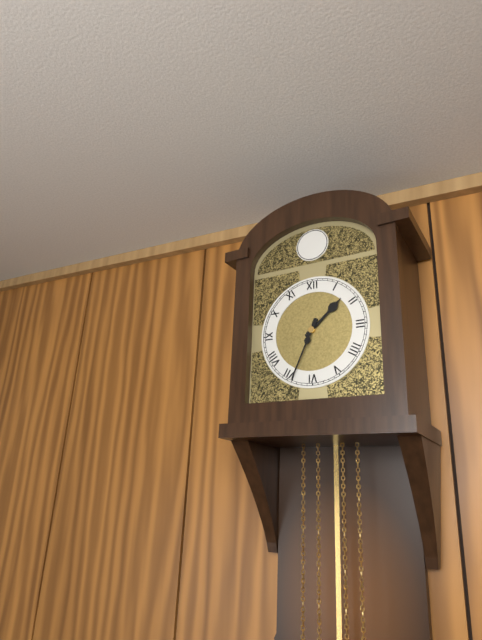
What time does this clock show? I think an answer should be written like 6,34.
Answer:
1,34
